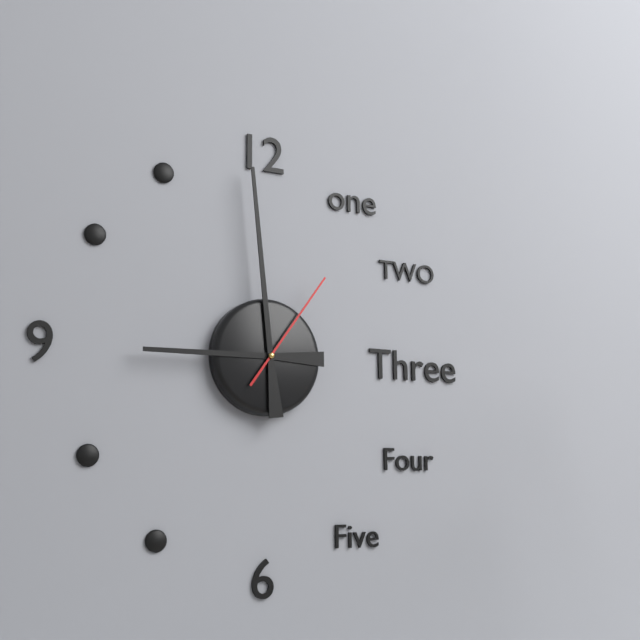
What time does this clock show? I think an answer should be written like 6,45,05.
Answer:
8,59,06
